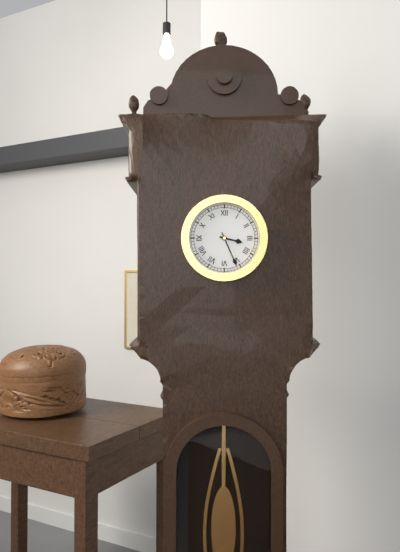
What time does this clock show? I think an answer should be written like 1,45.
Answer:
3,26
